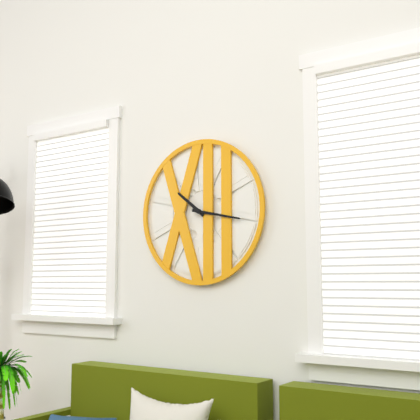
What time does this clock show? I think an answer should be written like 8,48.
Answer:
10,17
